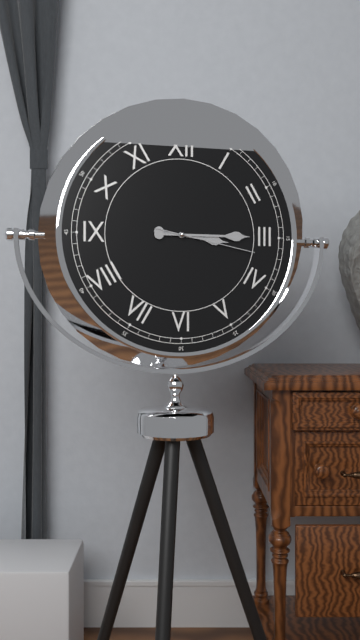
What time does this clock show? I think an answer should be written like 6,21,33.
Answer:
3,15,17
